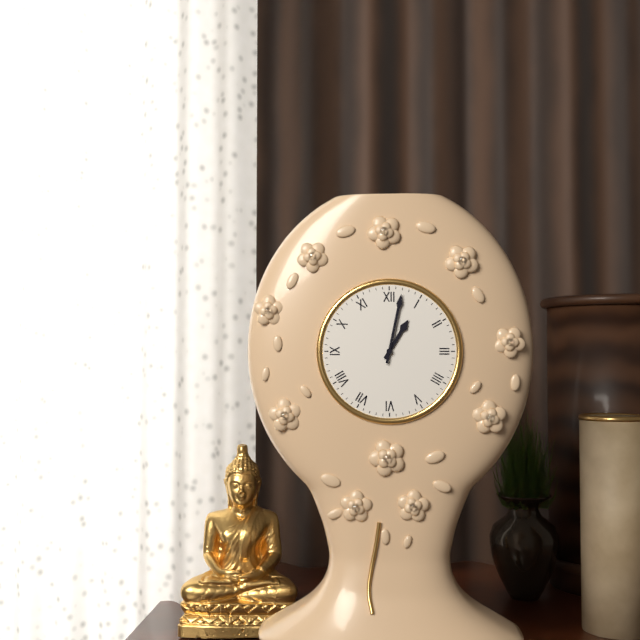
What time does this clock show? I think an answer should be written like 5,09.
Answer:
1,02
